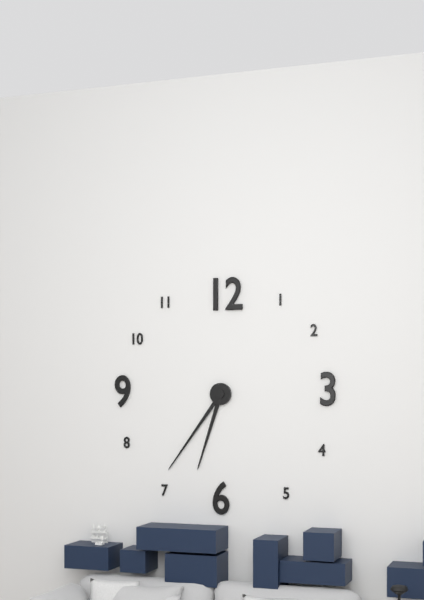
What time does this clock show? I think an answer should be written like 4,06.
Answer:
6,36
